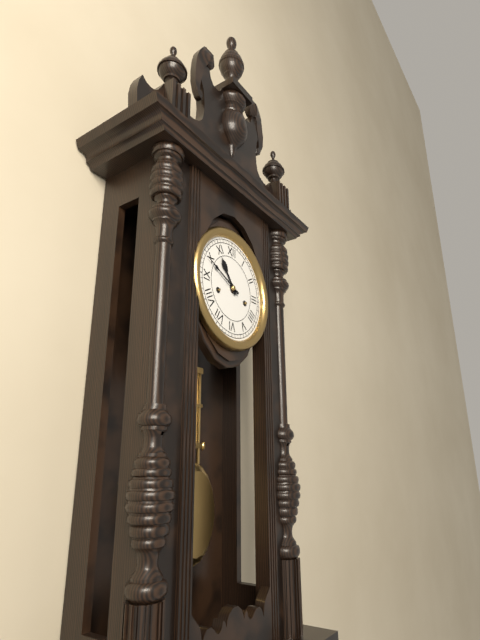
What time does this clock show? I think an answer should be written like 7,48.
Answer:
10,49
